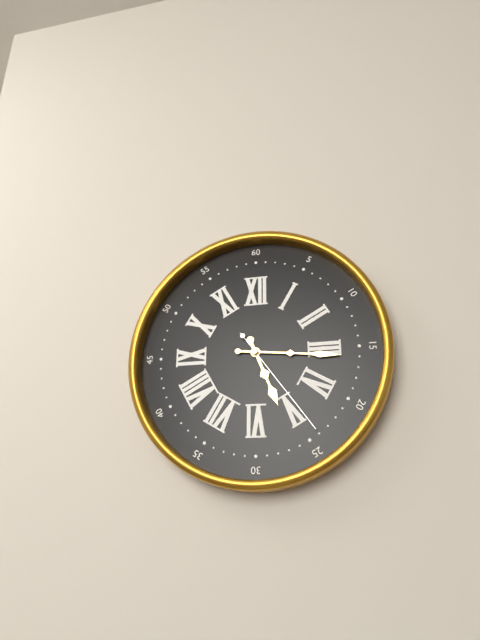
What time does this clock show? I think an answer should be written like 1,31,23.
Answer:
5,16,24
